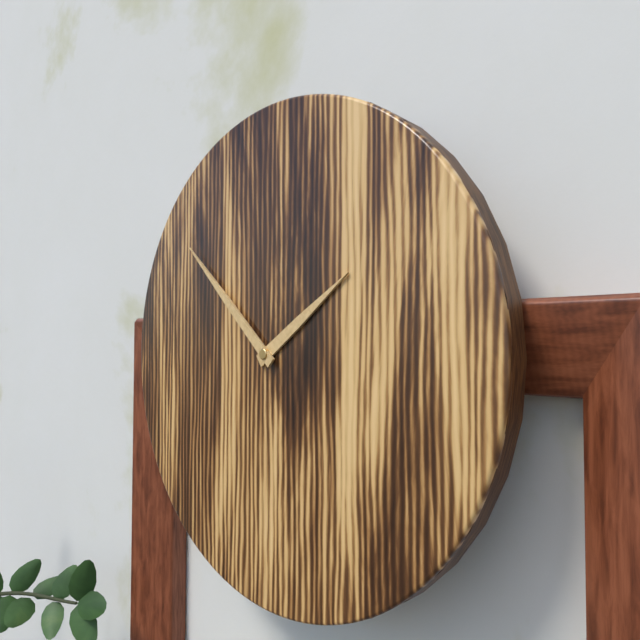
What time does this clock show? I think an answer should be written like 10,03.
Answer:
1,52
